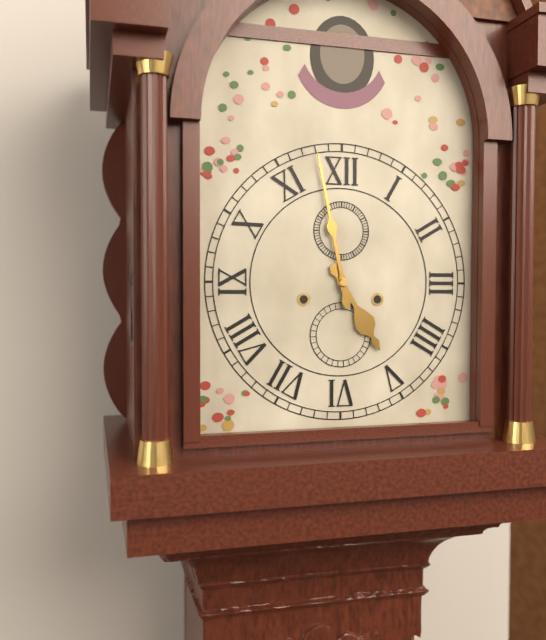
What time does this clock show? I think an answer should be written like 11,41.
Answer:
4,58
